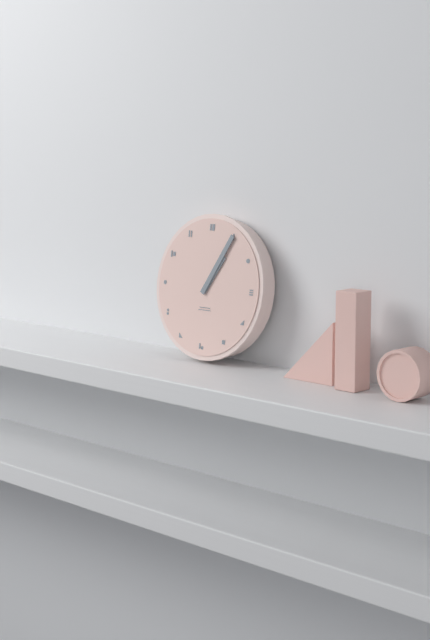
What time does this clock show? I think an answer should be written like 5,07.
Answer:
1,05
